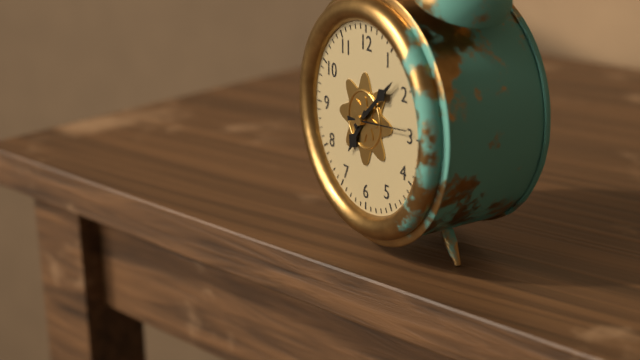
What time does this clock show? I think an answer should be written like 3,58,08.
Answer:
7,08,14
